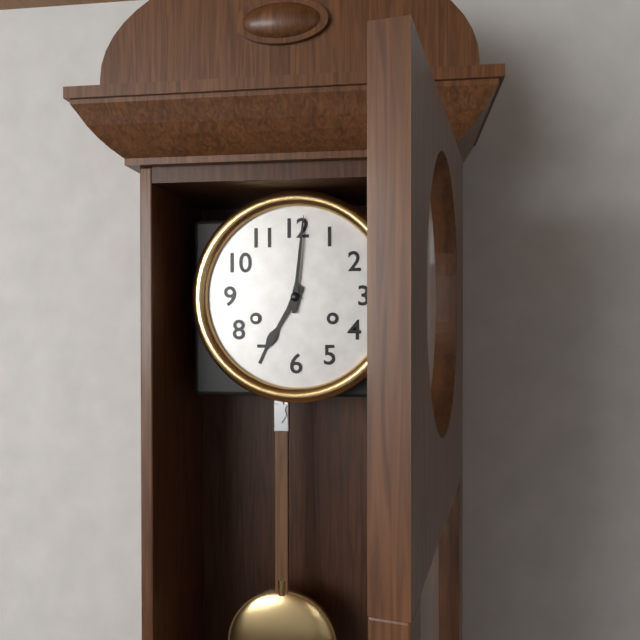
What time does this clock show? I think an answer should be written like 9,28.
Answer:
7,01
